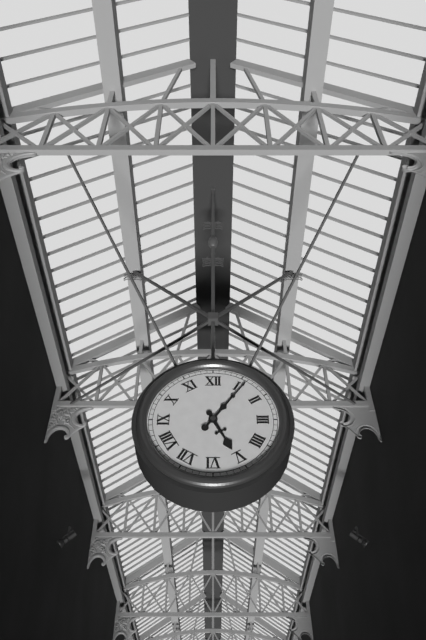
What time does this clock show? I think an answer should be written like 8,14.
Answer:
5,06
